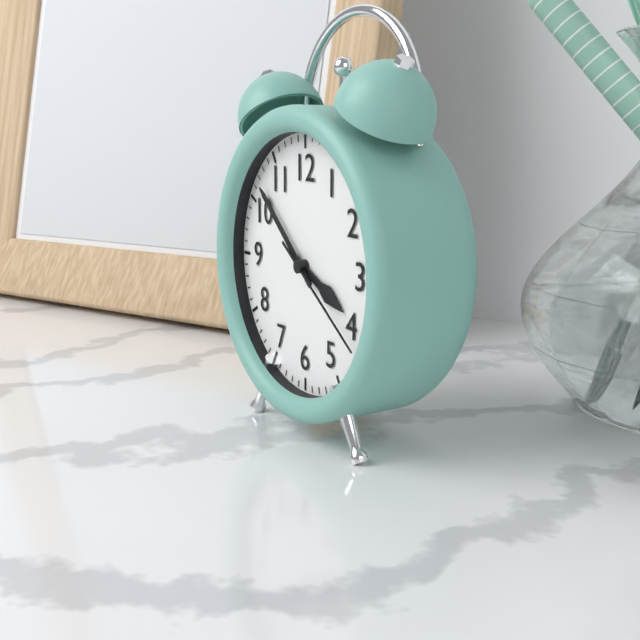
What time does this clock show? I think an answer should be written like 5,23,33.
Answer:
3,52,21
